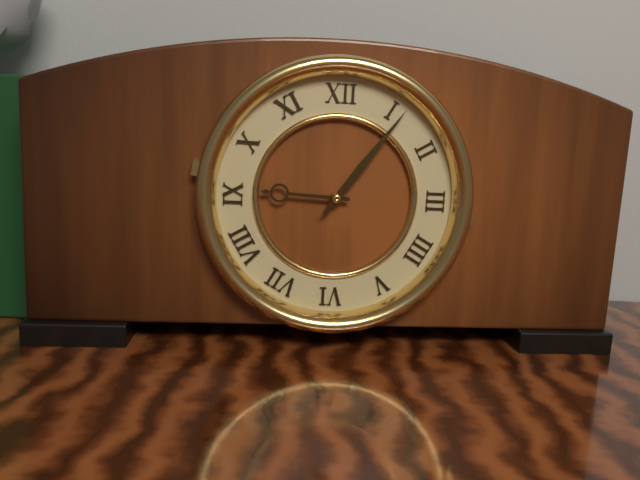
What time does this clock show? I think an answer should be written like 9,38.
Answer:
9,06
